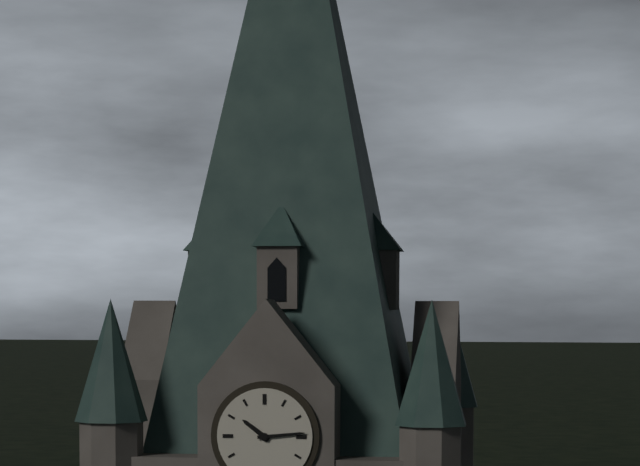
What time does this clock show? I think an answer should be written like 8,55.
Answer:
10,14
